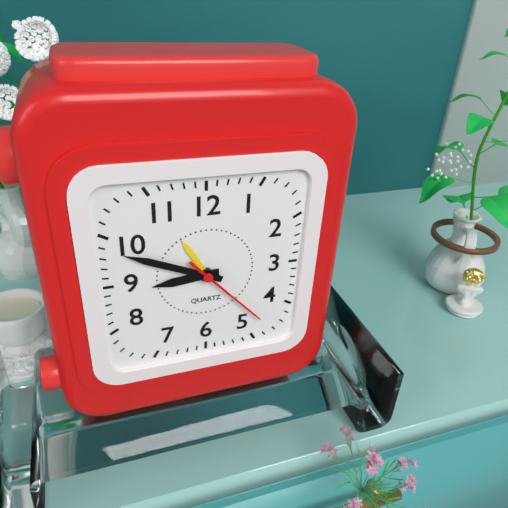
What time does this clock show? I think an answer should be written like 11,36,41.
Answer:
8,49,23
